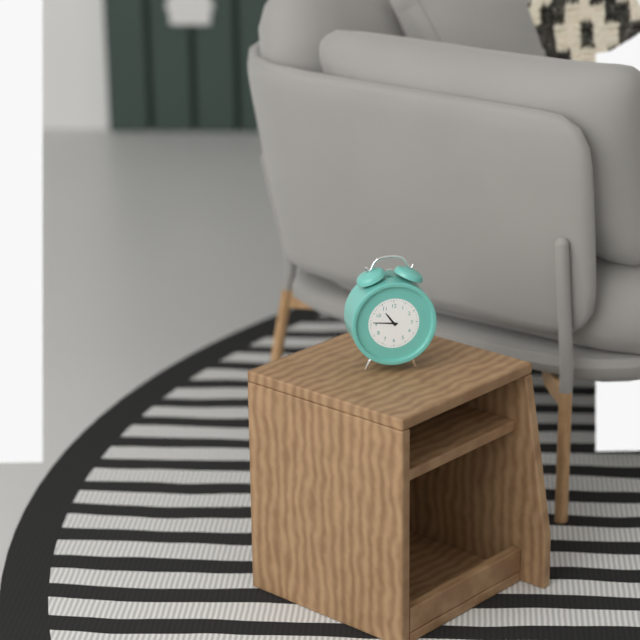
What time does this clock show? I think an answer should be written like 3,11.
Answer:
10,46
